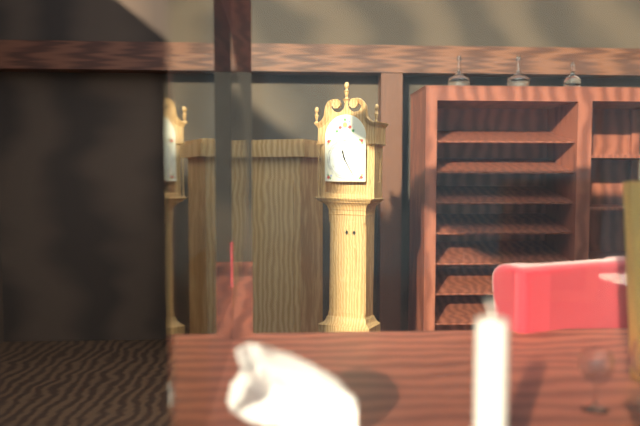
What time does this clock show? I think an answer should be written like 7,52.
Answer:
11,25
